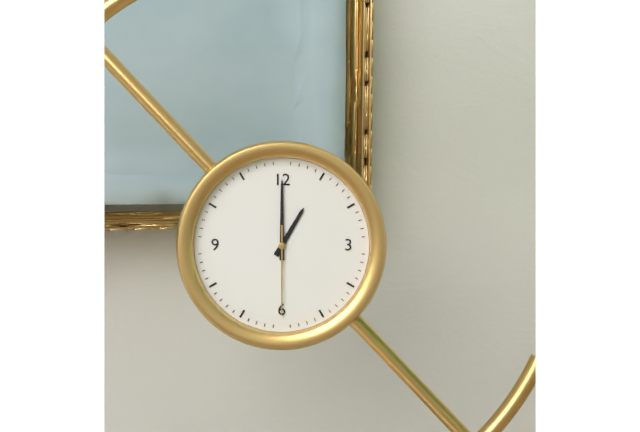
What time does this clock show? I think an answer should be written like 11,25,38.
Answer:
1,00,30
